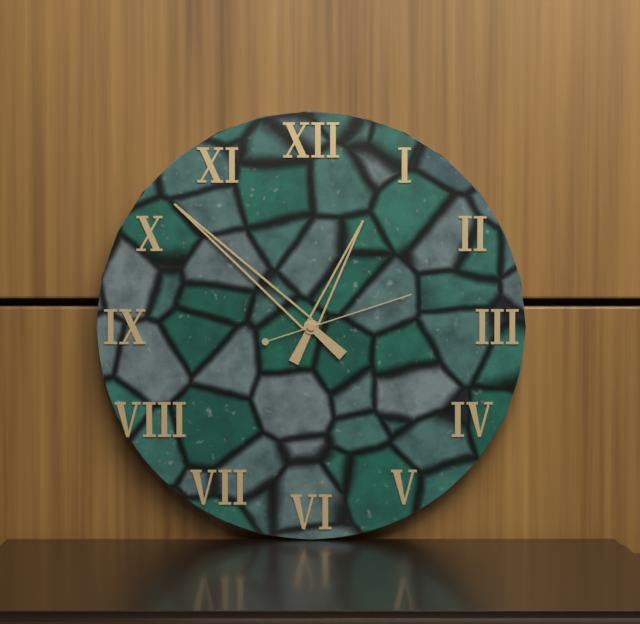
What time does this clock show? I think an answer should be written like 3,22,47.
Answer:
12,52,12
